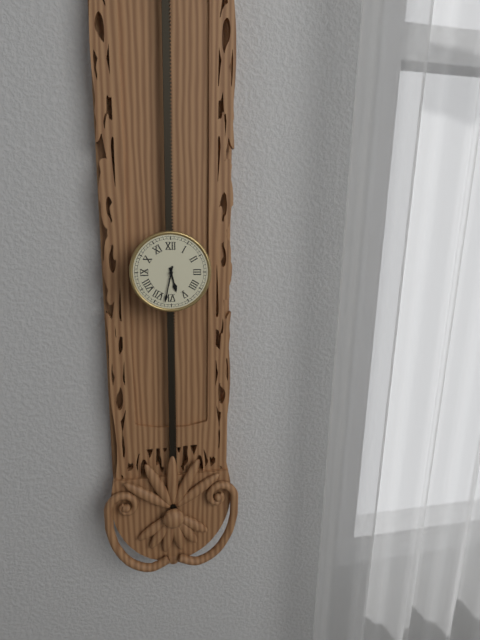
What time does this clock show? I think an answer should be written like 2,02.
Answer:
5,32
